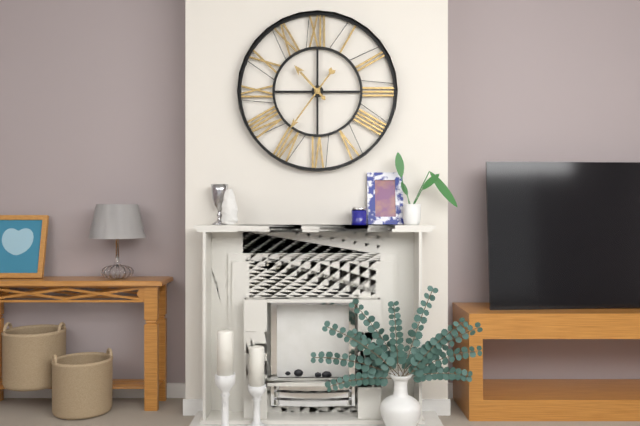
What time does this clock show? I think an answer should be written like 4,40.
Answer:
10,36
